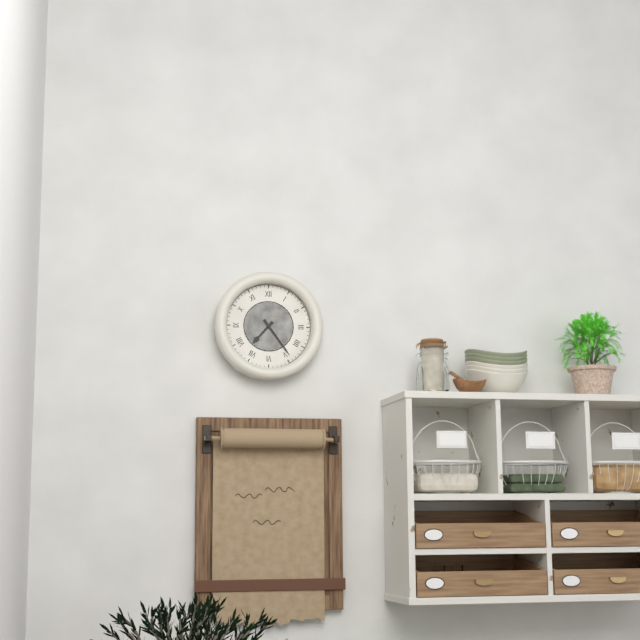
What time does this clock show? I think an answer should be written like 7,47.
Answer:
7,24
